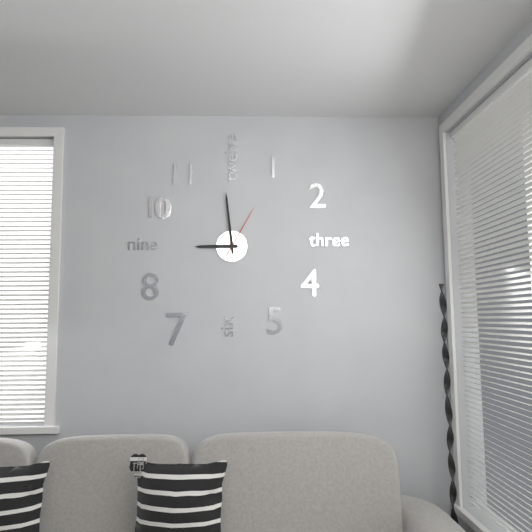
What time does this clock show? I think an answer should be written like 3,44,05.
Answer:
8,59,05
